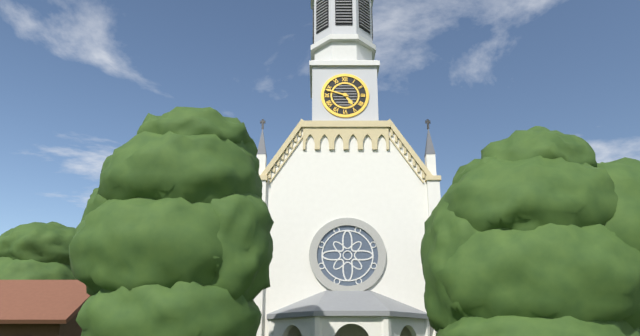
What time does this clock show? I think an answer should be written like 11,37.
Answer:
4,48
